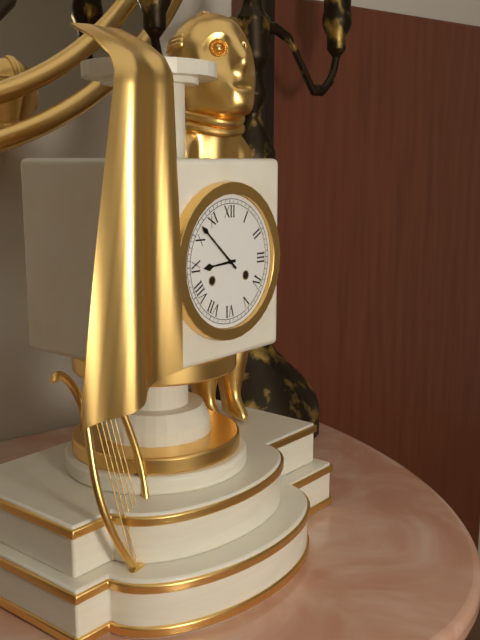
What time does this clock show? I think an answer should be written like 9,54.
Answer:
8,52
